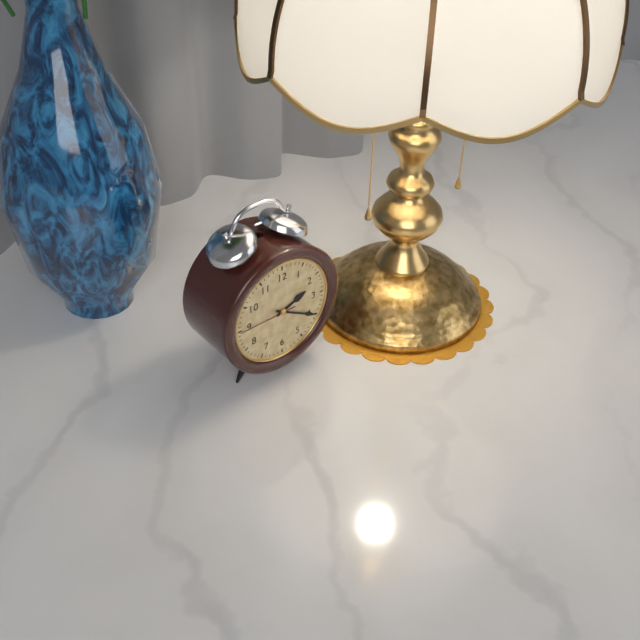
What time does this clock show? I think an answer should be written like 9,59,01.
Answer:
2,20,45
